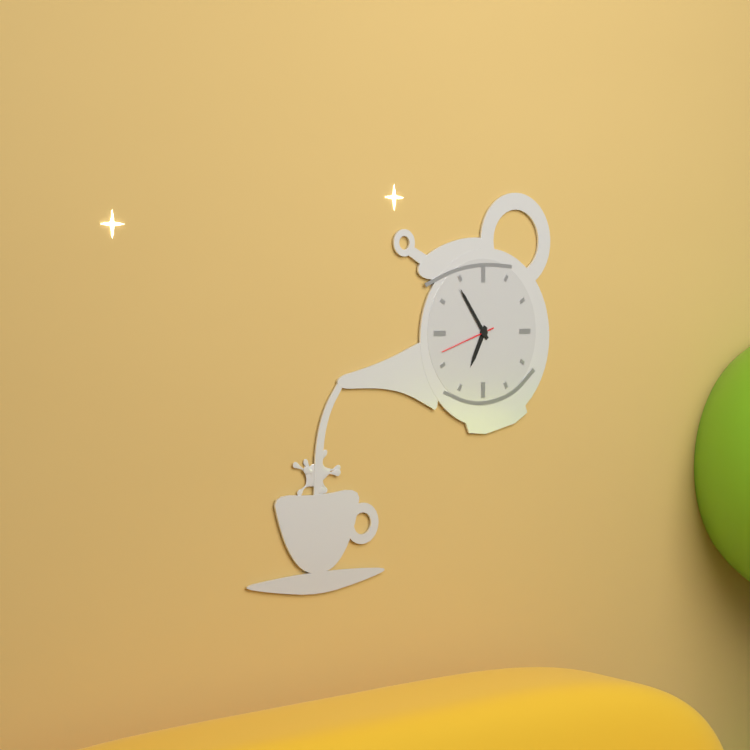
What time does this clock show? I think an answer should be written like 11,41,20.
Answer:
6,54,42
